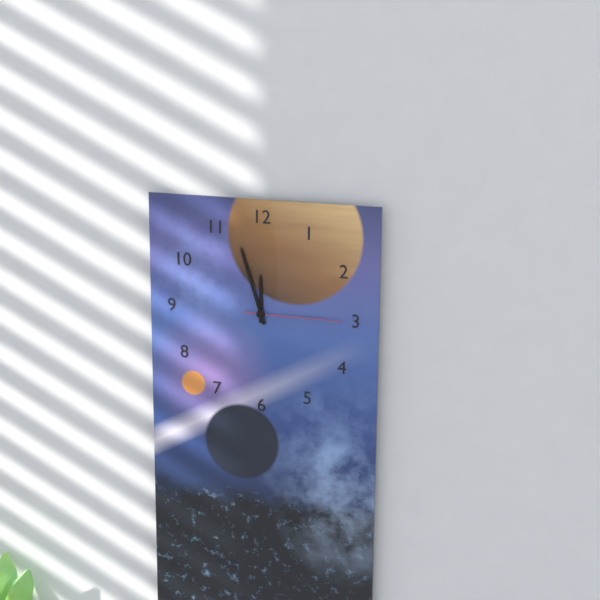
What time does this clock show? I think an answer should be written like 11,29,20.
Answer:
11,57,15
